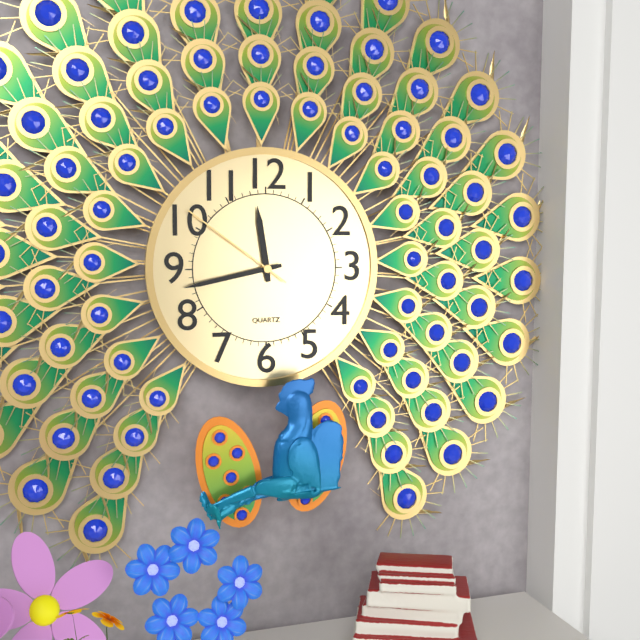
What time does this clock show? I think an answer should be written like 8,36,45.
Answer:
11,43,51
